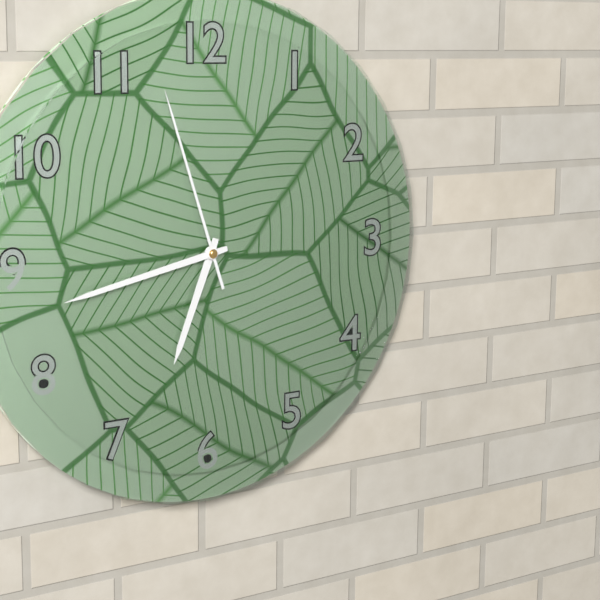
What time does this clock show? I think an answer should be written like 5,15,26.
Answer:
6,43,57
